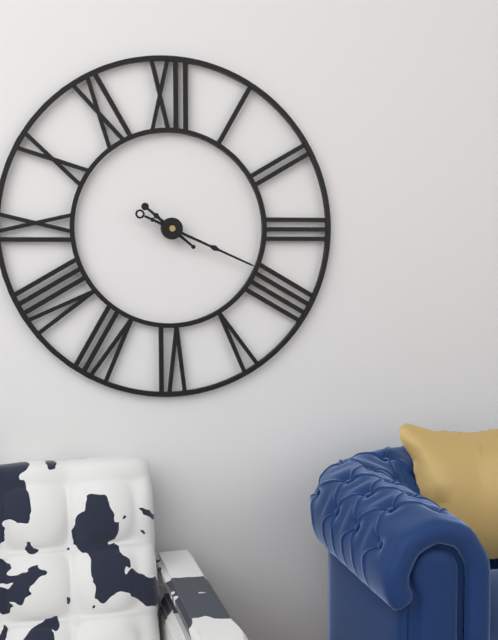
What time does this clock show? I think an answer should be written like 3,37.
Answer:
10,19
